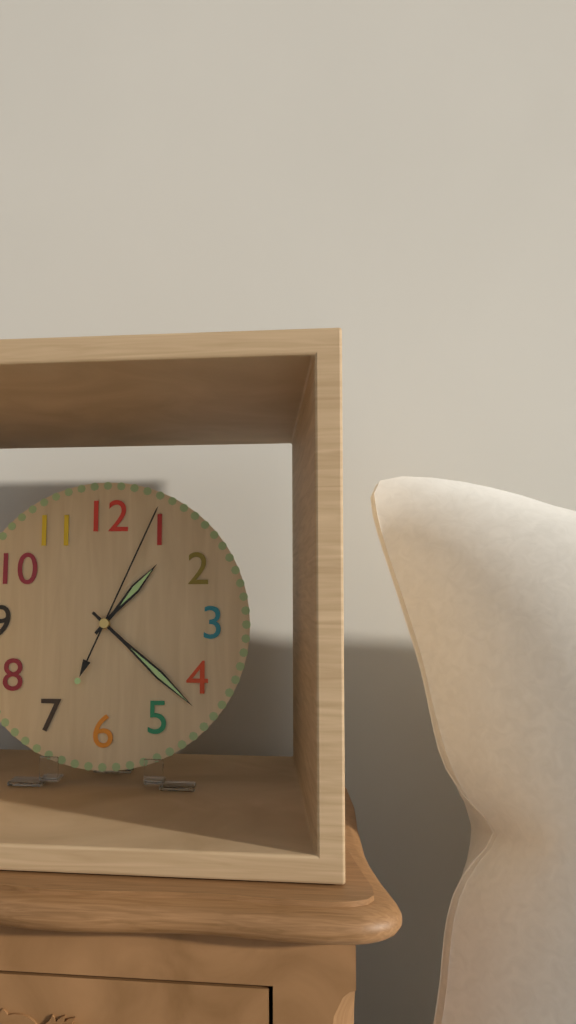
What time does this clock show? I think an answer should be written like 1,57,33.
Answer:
1,22,04
